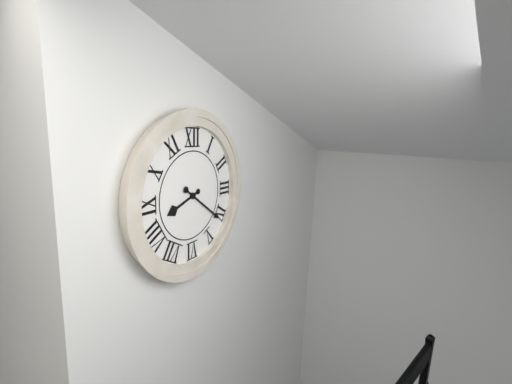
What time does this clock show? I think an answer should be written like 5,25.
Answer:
8,21
